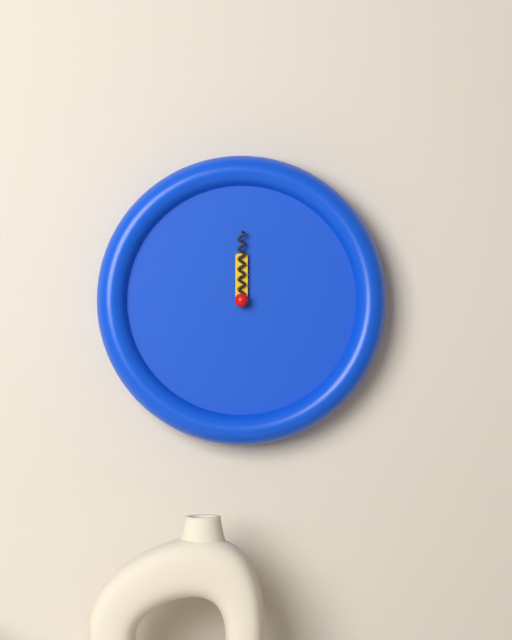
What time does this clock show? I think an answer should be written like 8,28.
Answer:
12,00
